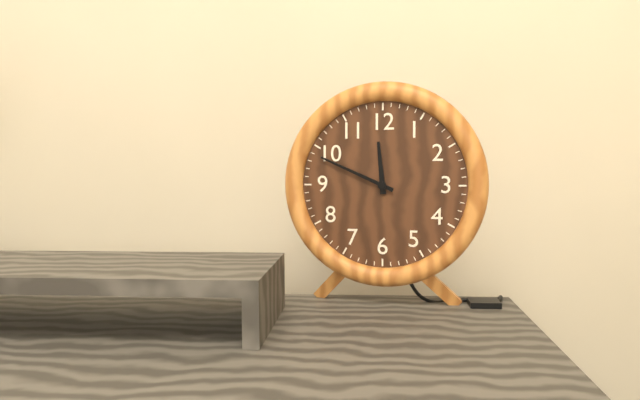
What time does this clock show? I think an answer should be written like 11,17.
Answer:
11,49
